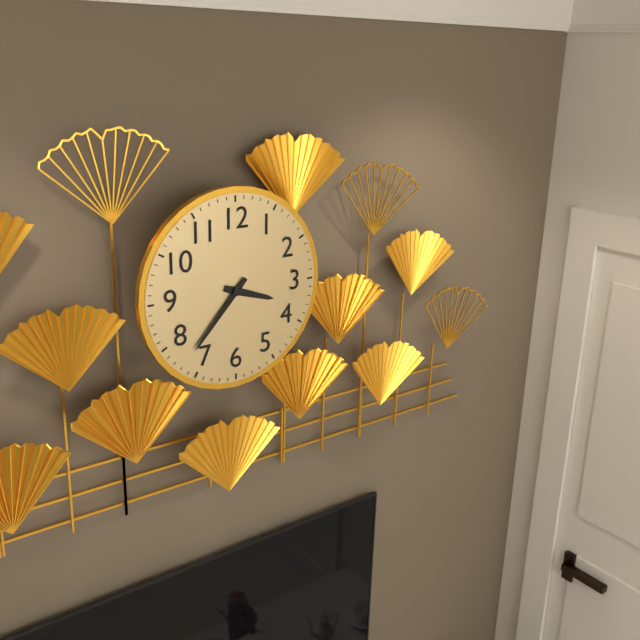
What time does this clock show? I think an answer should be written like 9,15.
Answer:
3,37
